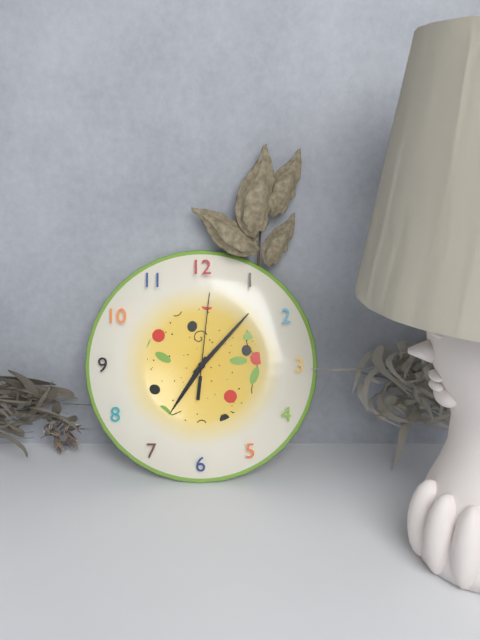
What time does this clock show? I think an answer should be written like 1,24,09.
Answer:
7,07,01
